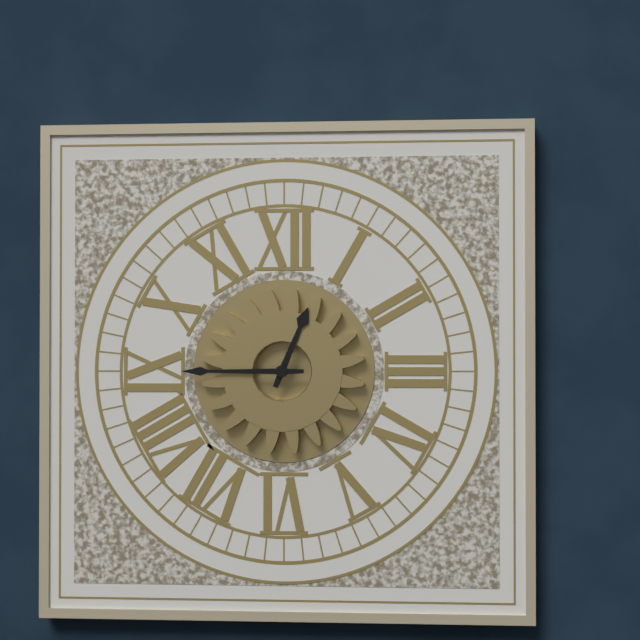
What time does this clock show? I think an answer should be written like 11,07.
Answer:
12,45
